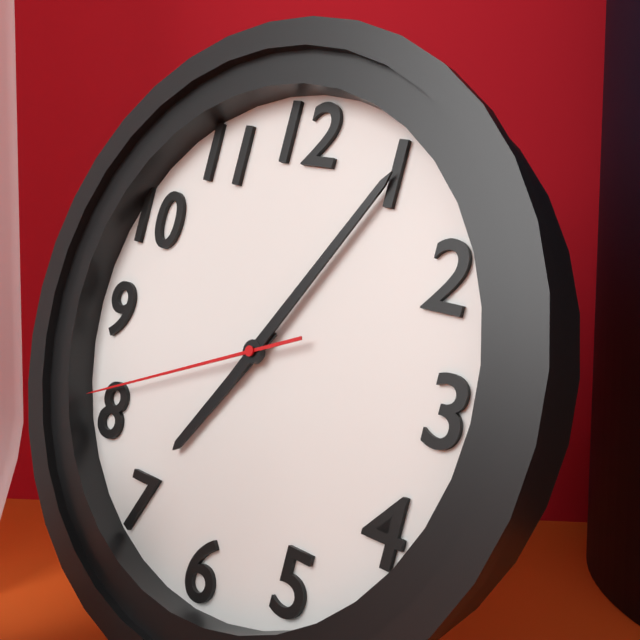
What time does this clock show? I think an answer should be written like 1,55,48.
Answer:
7,05,41
